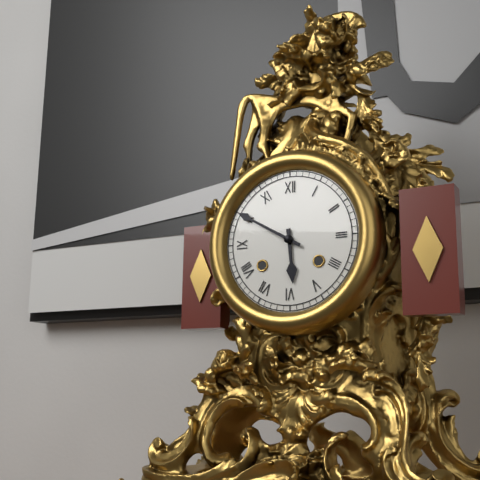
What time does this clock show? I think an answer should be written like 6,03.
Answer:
5,50
